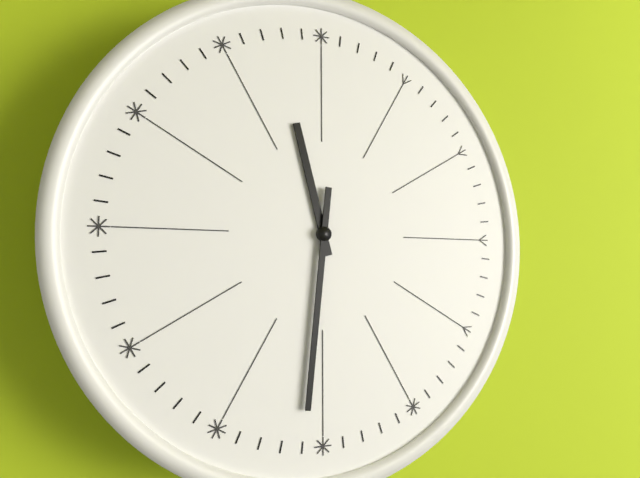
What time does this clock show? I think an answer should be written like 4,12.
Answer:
11,31
